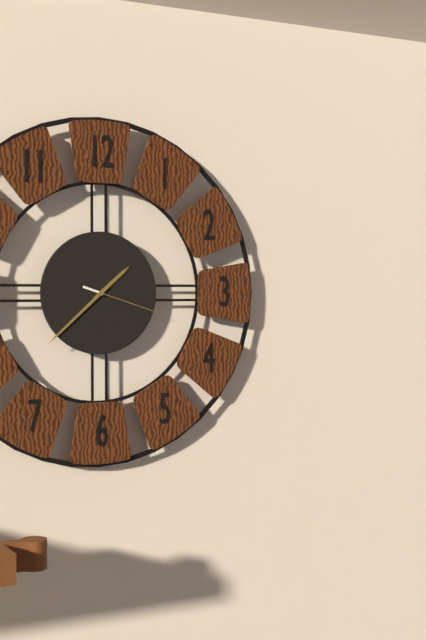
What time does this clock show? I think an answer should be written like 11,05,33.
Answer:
1,38,18
